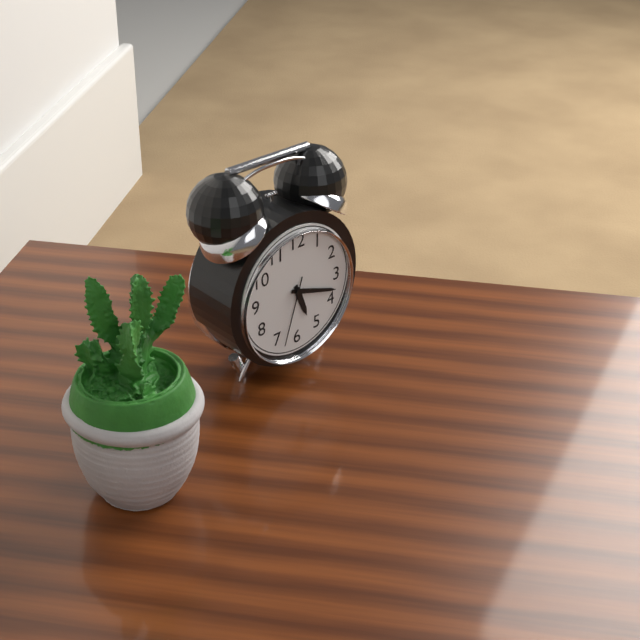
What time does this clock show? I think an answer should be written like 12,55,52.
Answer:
5,18,33
